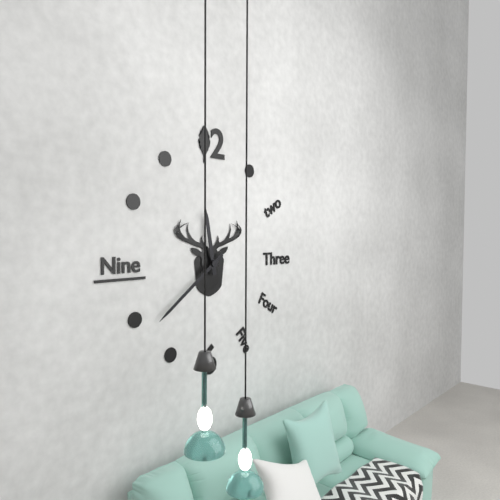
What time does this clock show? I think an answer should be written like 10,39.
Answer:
11,39
